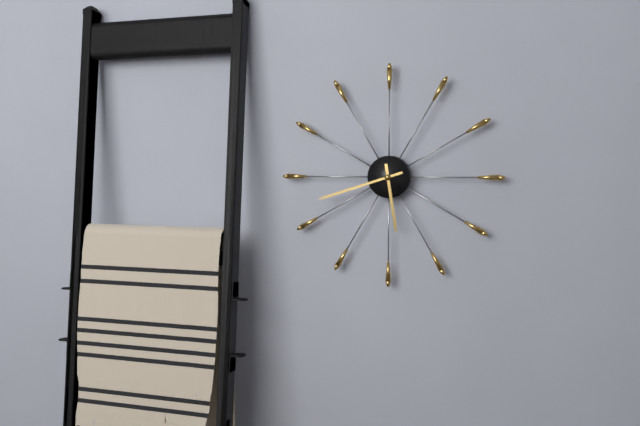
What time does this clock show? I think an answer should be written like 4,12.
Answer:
5,42
